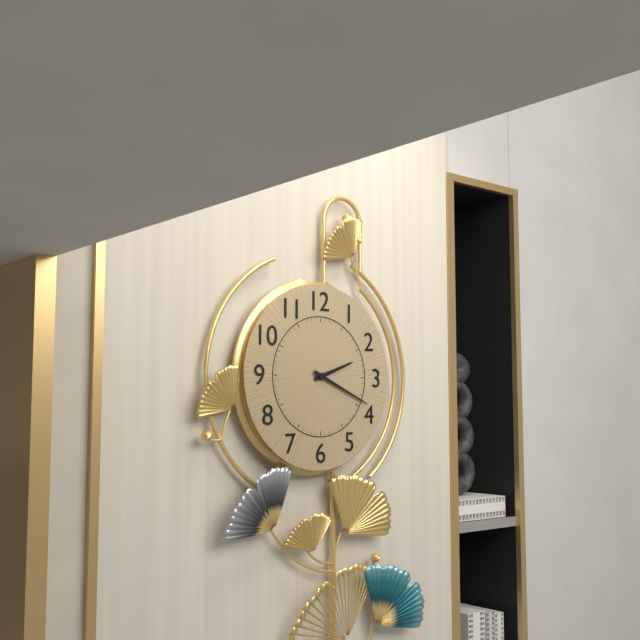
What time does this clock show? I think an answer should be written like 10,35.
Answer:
2,19
